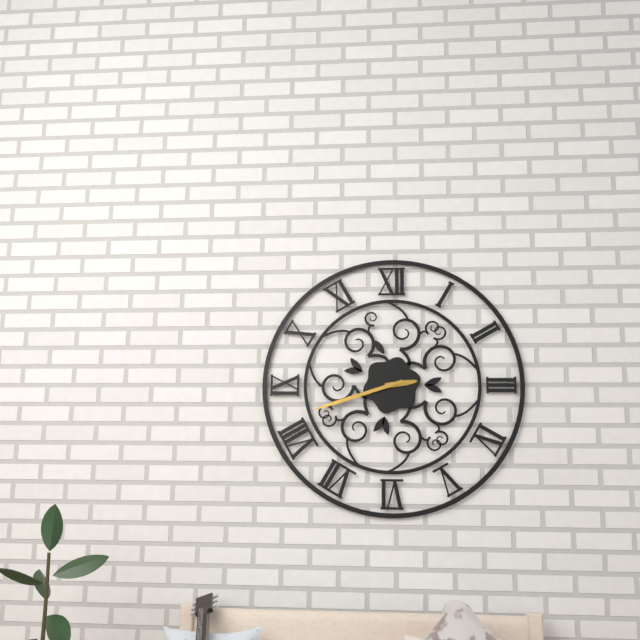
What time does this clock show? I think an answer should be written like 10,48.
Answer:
2,42
